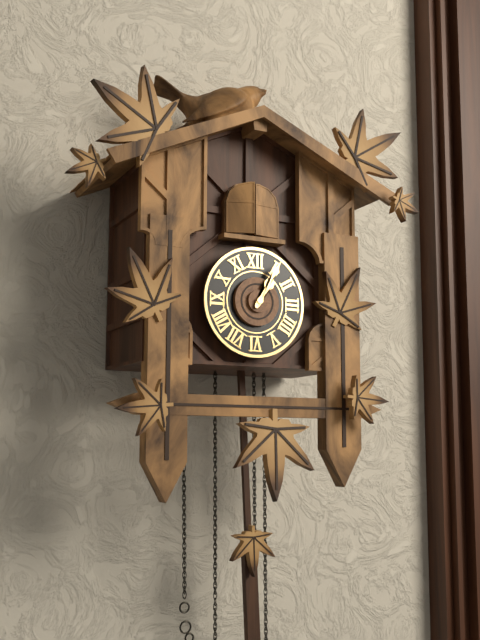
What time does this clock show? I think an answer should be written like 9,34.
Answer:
1,05
